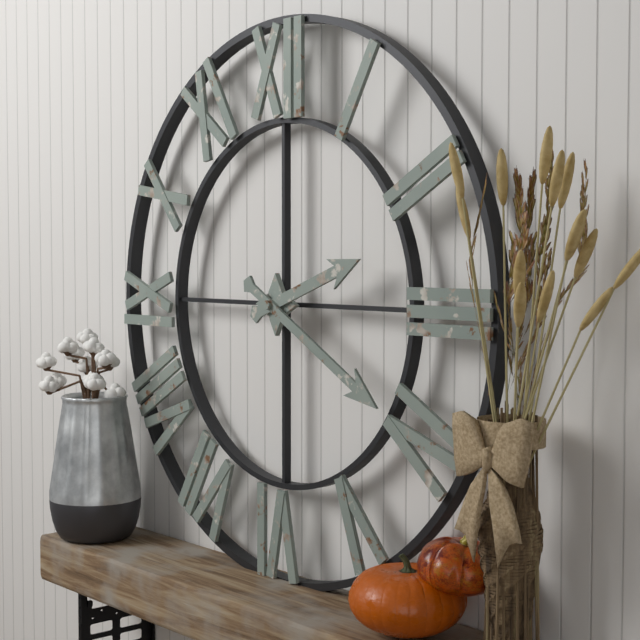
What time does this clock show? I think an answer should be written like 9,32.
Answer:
2,20
